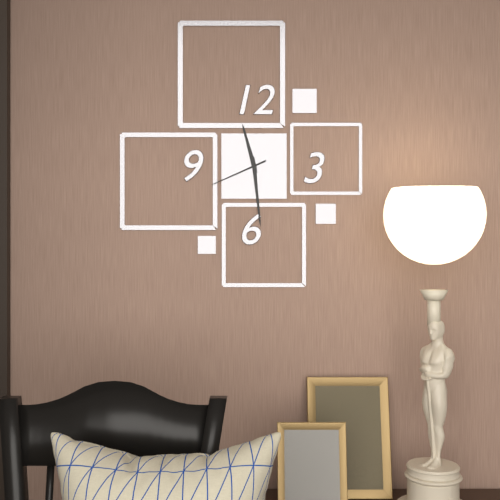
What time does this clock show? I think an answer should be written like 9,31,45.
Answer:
11,29,41
